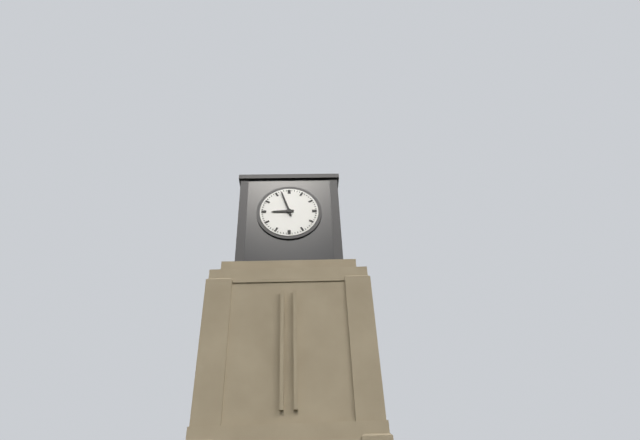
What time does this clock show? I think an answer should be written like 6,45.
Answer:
8,57
